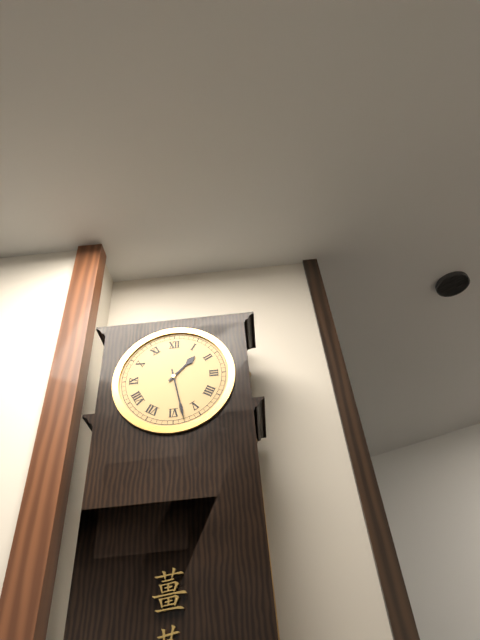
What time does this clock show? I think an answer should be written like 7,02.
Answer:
1,28
